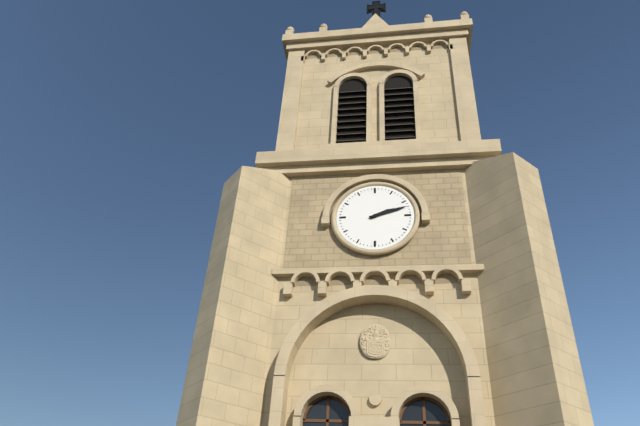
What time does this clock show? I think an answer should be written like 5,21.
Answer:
2,12
